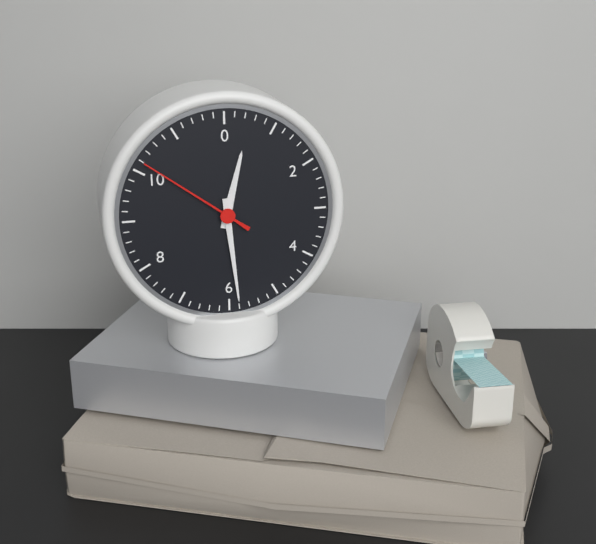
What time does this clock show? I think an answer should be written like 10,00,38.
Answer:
12,29,51
